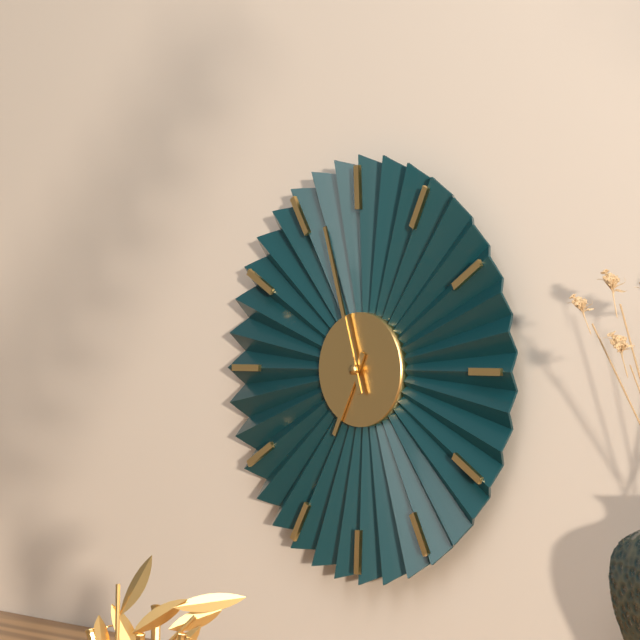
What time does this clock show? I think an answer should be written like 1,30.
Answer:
6,57
